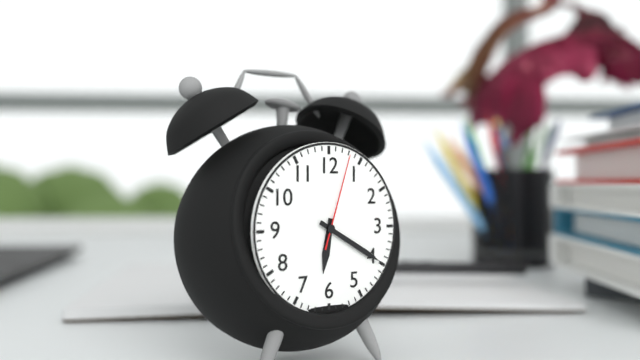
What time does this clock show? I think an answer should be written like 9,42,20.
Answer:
6,20,03
